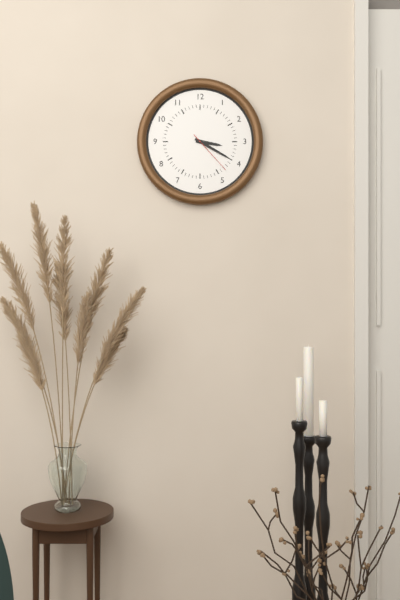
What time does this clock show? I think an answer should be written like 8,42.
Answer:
3,20
